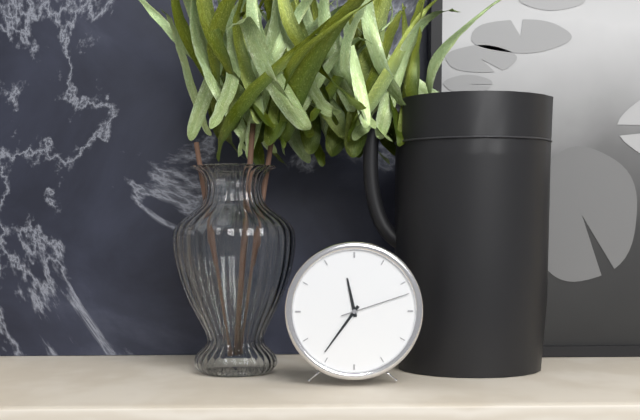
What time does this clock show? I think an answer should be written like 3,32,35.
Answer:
11,36,12
